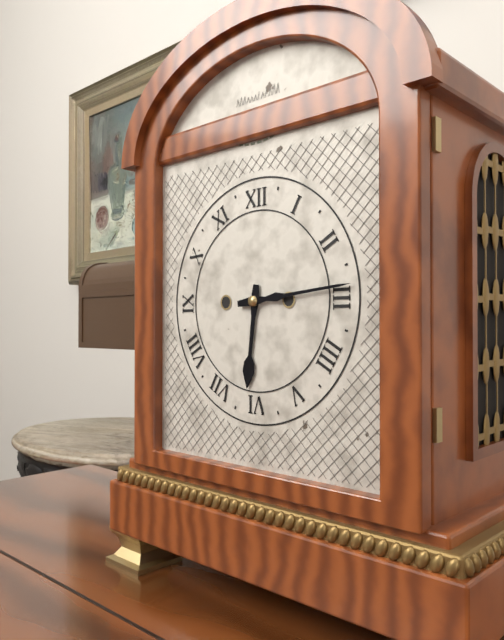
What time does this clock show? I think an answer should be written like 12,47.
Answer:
6,14
